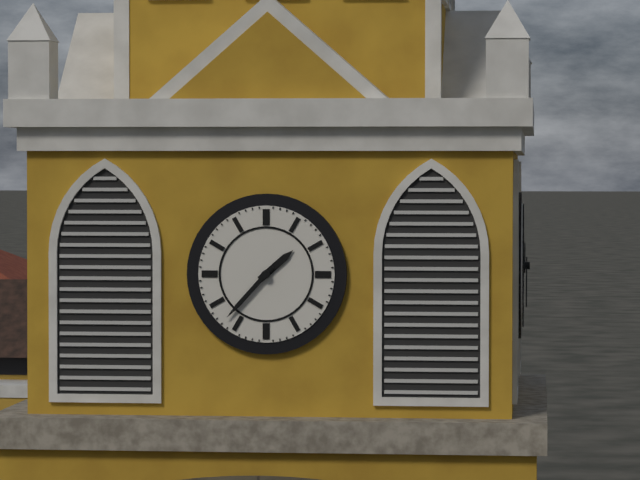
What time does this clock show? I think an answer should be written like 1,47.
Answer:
1,37
